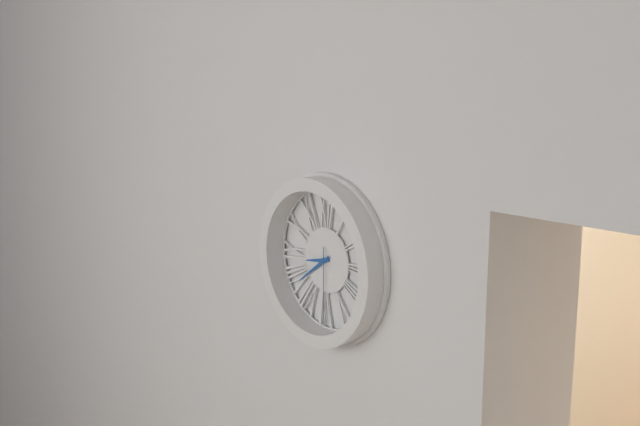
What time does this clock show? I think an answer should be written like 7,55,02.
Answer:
8,39,30
